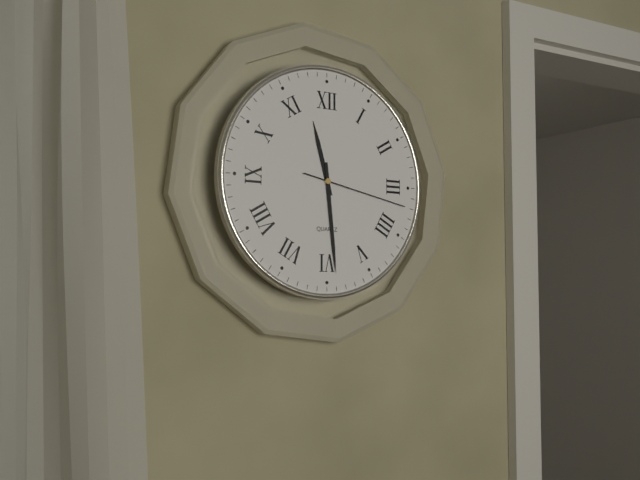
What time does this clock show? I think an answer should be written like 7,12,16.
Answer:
11,29,17
